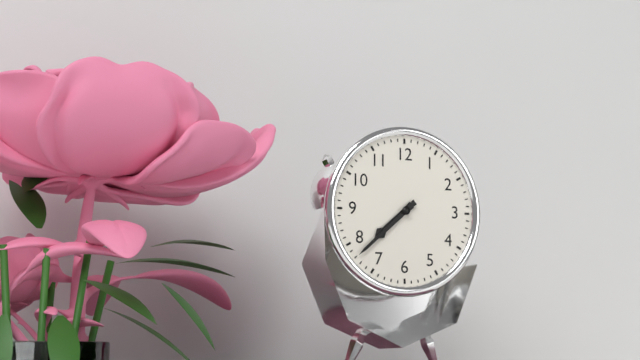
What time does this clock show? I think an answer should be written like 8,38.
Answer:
7,38
